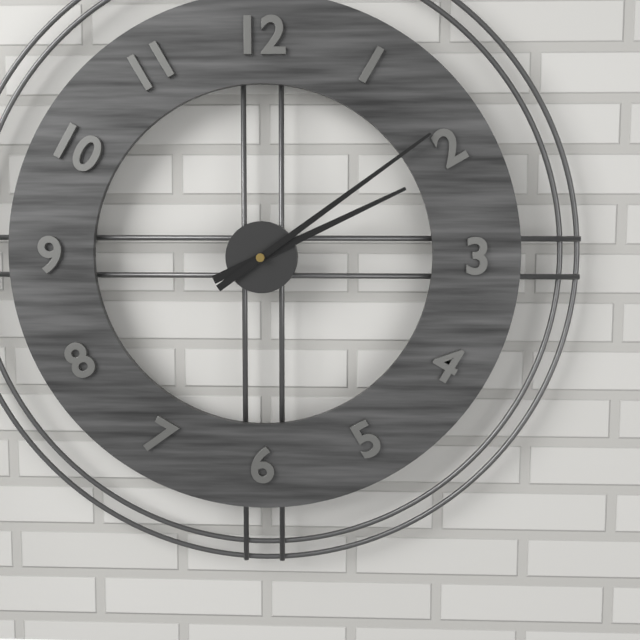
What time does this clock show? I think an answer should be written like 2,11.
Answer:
2,09
